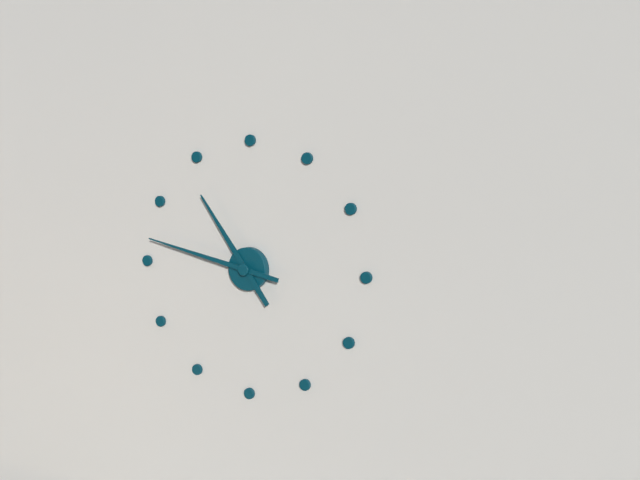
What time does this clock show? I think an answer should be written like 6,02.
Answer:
10,47
